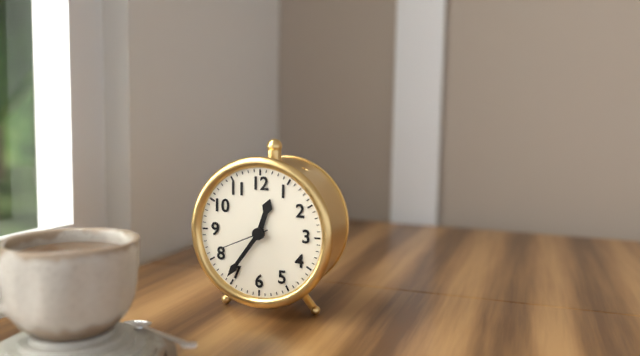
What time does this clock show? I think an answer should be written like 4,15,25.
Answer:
12,36,41
